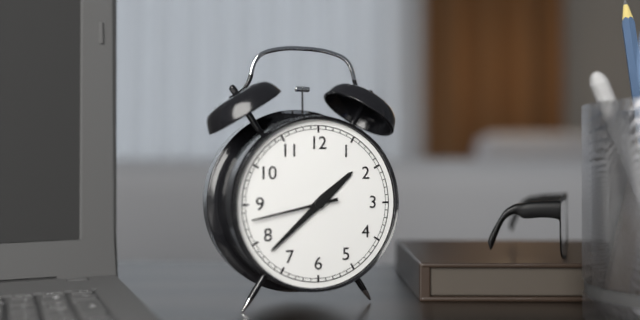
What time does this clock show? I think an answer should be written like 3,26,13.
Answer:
1,38,43
